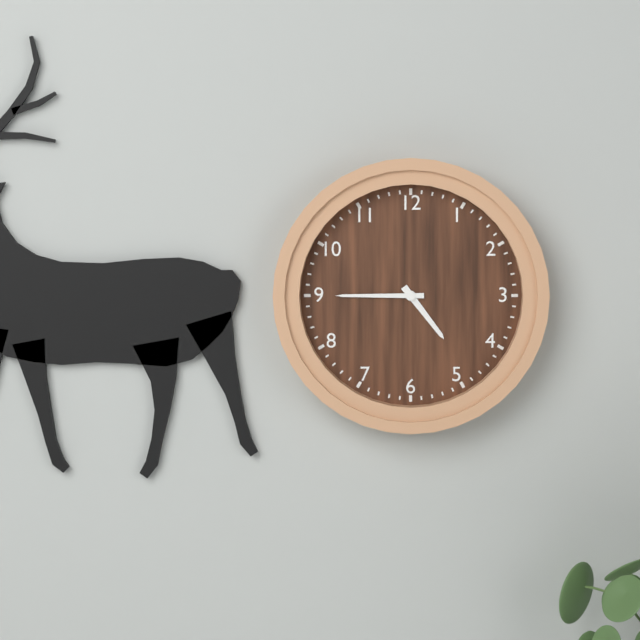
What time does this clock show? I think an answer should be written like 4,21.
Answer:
4,45
